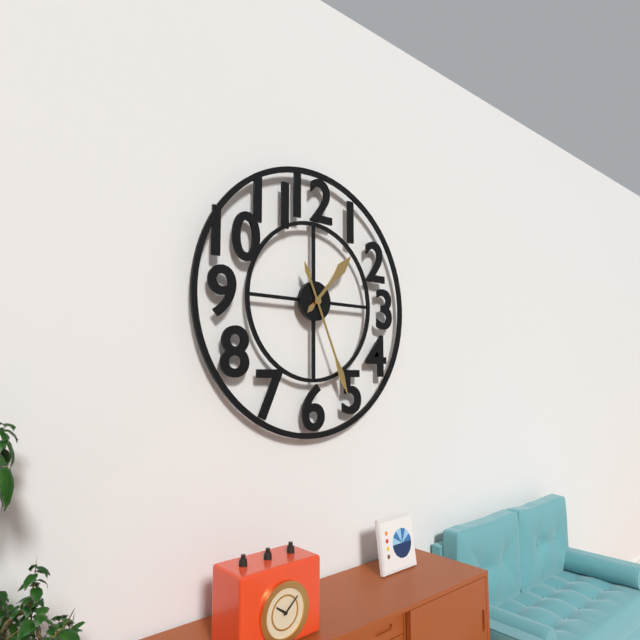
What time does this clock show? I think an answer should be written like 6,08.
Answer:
1,26
